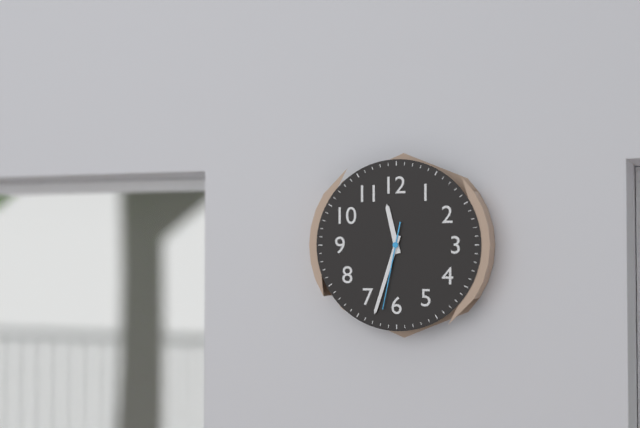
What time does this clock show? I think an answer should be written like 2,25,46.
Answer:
11,33,32
